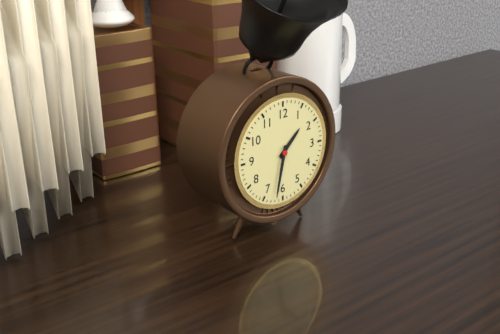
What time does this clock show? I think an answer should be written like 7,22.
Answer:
1,32
